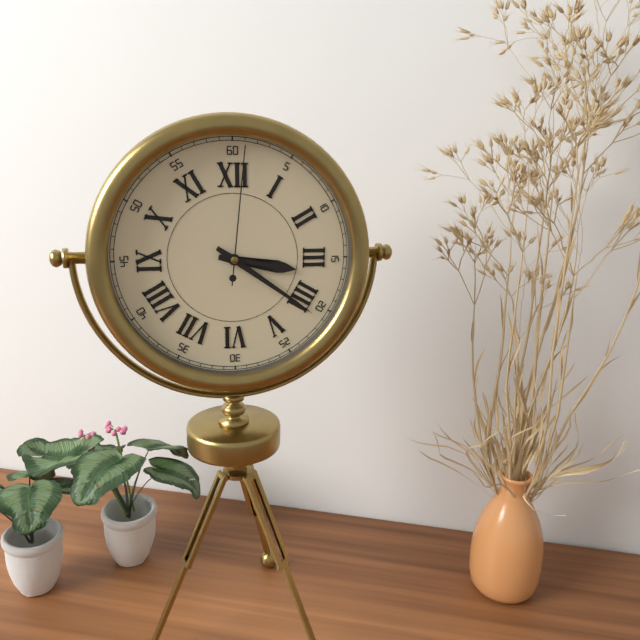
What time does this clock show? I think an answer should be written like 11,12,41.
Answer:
3,21,01
